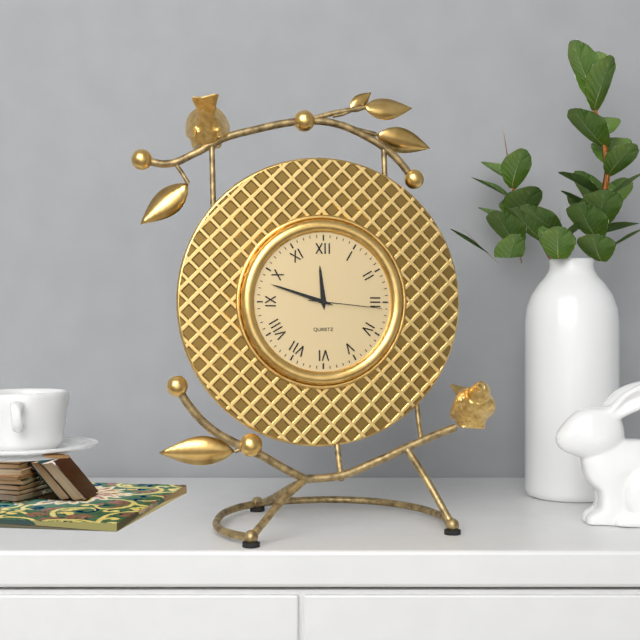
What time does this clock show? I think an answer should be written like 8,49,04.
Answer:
11,48,16
